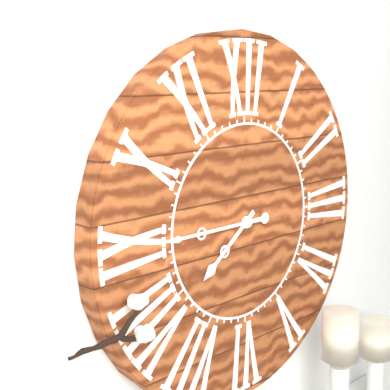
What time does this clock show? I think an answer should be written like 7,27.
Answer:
7,45
